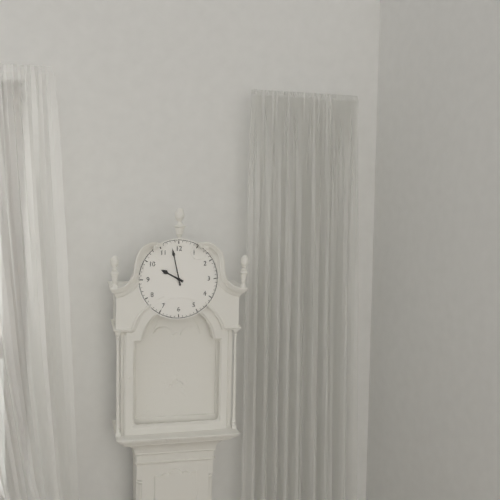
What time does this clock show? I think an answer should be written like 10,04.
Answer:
9,58
